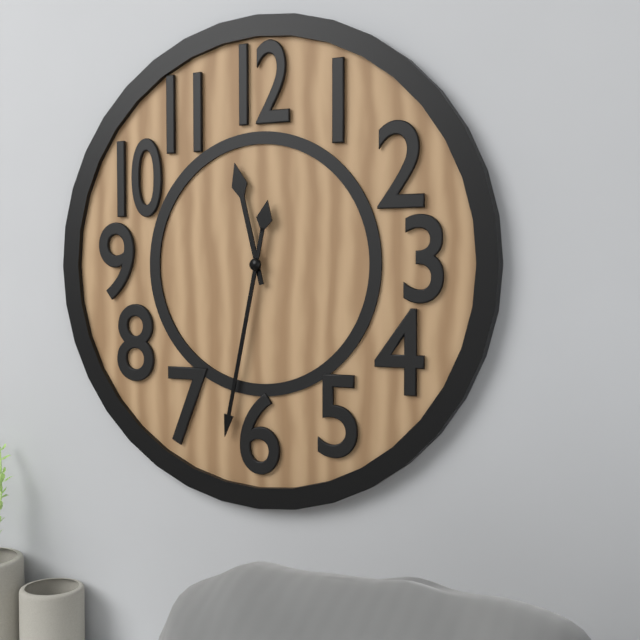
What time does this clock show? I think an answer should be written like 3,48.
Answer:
11,32
